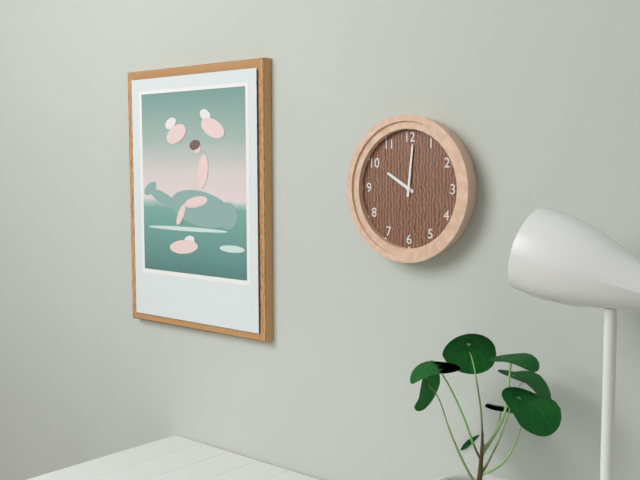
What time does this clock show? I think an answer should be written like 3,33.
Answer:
10,01
